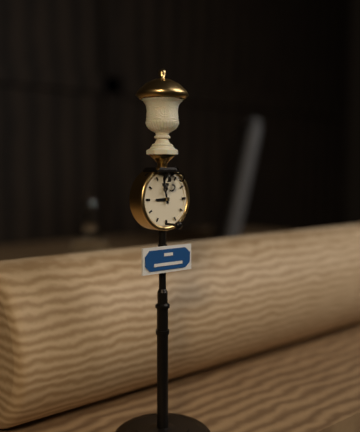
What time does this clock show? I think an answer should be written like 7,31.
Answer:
8,58
